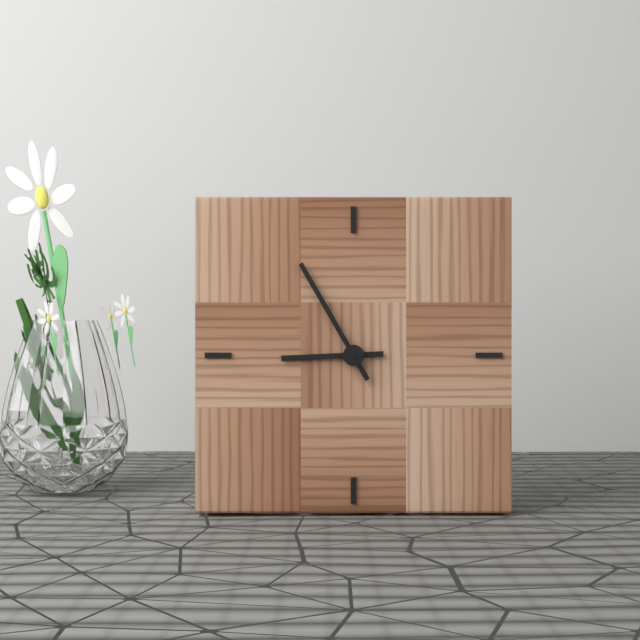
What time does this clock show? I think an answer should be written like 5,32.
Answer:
8,55
